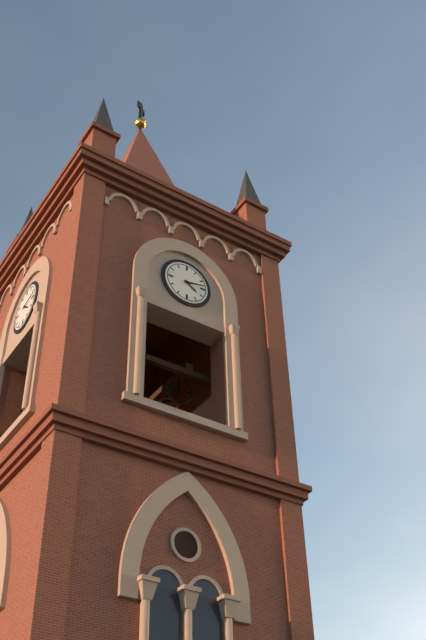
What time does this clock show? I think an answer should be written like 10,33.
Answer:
4,13
